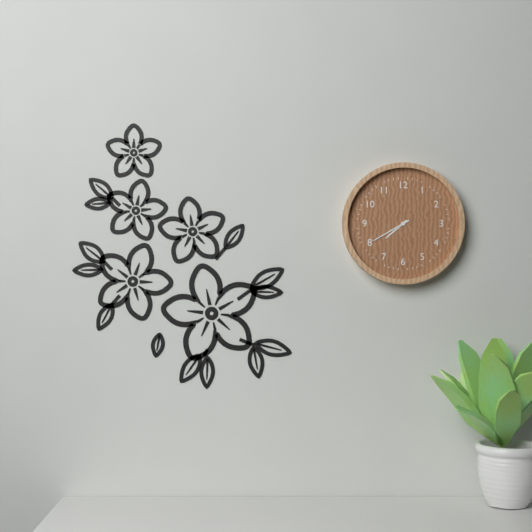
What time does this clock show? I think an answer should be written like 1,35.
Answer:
7,40
